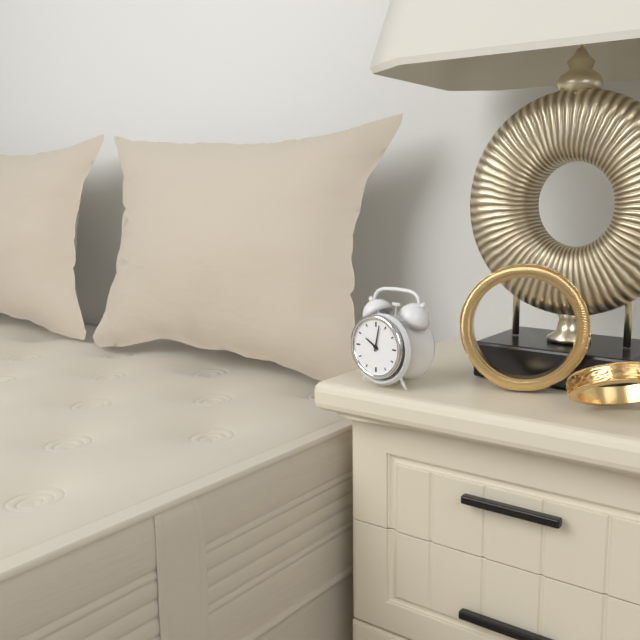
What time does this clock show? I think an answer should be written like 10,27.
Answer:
10,02
